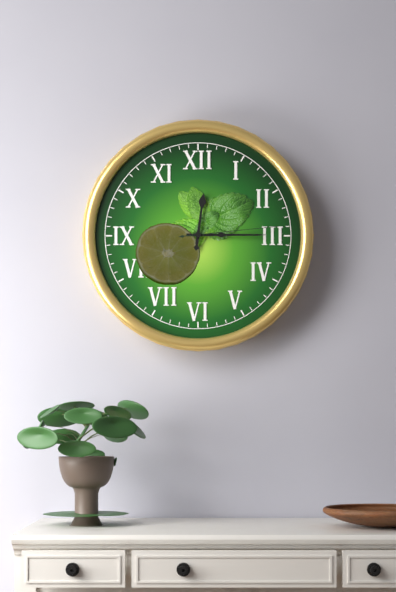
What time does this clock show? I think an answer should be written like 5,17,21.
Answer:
12,15,14
